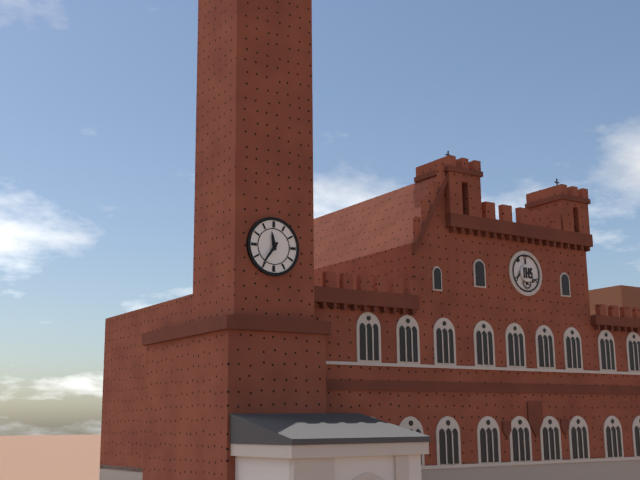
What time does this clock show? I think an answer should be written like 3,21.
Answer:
11,36
